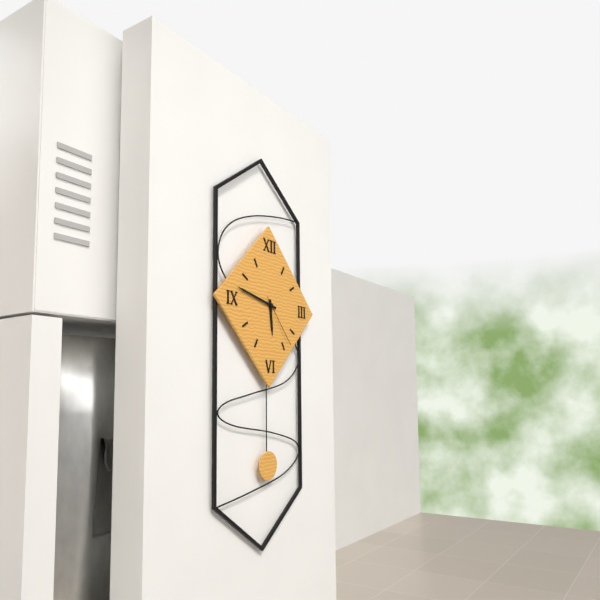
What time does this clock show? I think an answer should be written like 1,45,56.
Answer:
5,47,23
